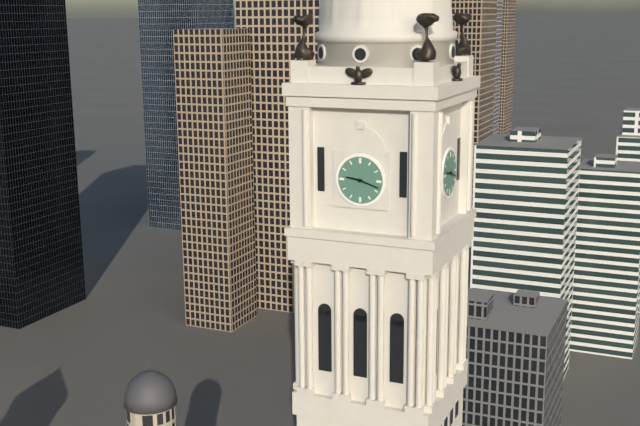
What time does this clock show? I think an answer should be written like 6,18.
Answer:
9,18
